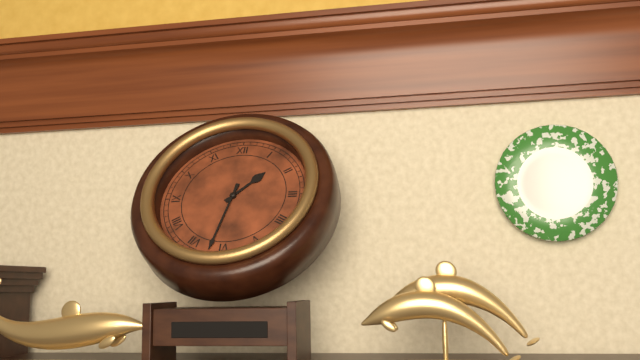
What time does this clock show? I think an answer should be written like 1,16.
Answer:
1,32
